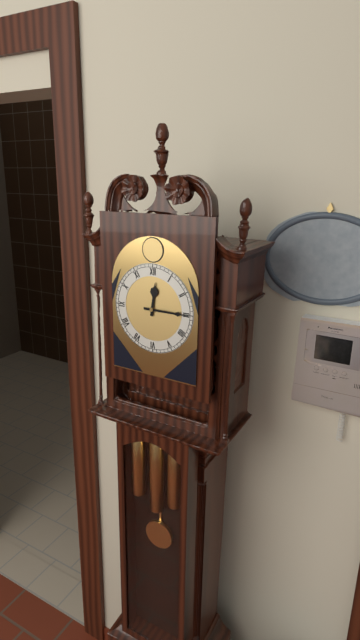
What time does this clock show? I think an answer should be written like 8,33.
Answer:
12,15
